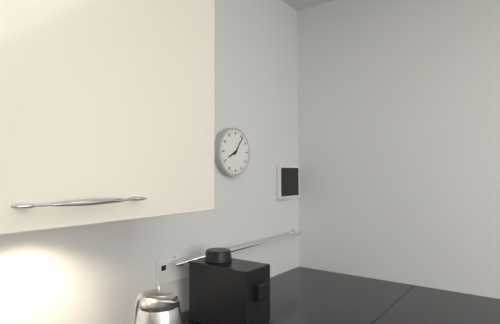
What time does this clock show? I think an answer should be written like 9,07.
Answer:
8,06
